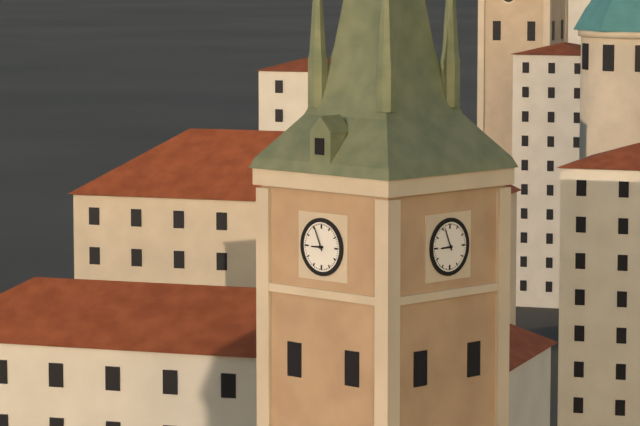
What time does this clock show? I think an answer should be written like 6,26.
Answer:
8,56
